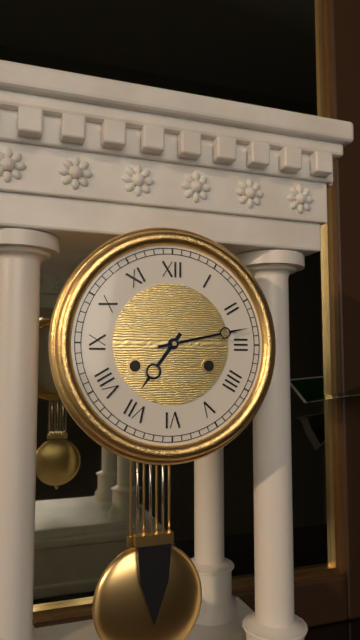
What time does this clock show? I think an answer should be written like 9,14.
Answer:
7,13
